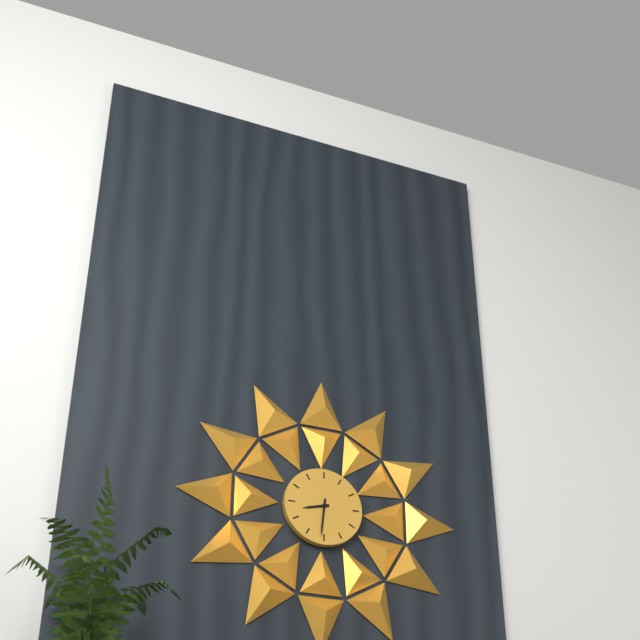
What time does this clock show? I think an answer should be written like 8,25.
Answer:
8,31
